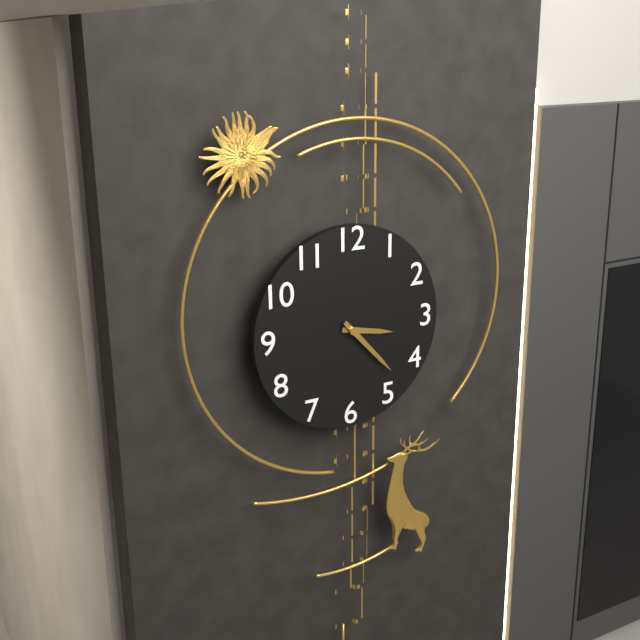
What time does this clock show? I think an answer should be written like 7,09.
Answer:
3,23
